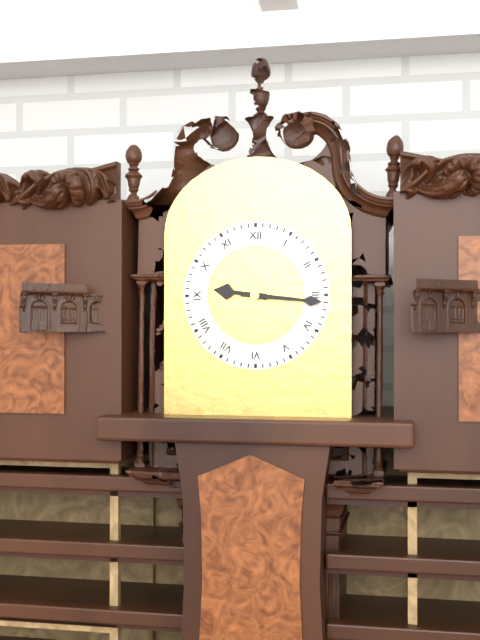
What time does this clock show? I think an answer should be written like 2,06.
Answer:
9,16
